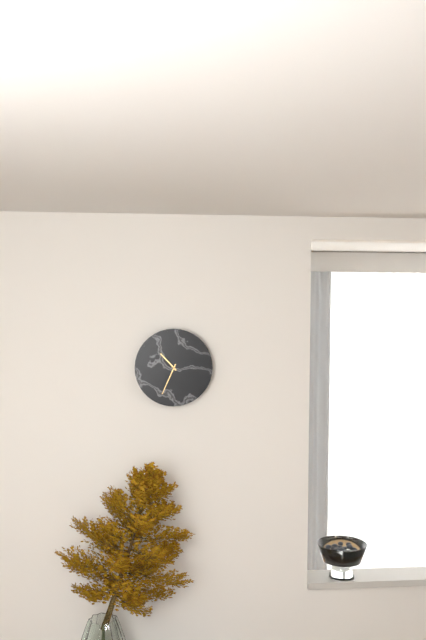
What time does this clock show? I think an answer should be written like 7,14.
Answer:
10,34
